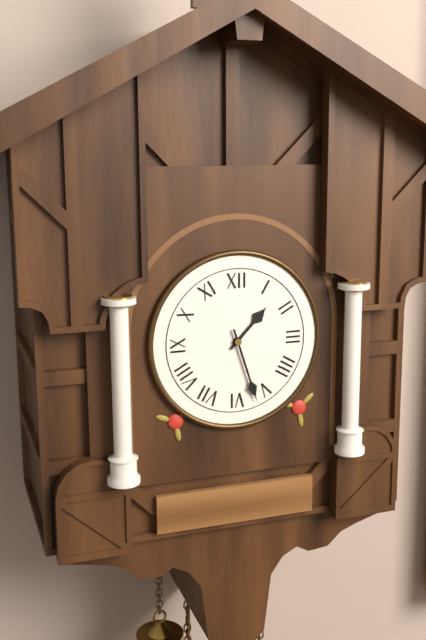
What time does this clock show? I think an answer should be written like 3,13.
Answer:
1,27
